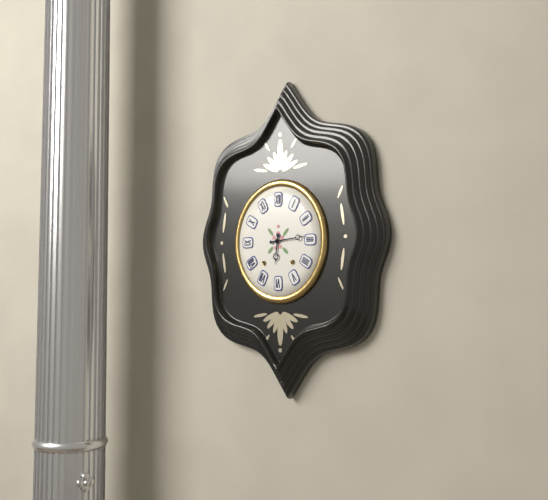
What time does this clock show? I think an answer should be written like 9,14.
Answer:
6,14
